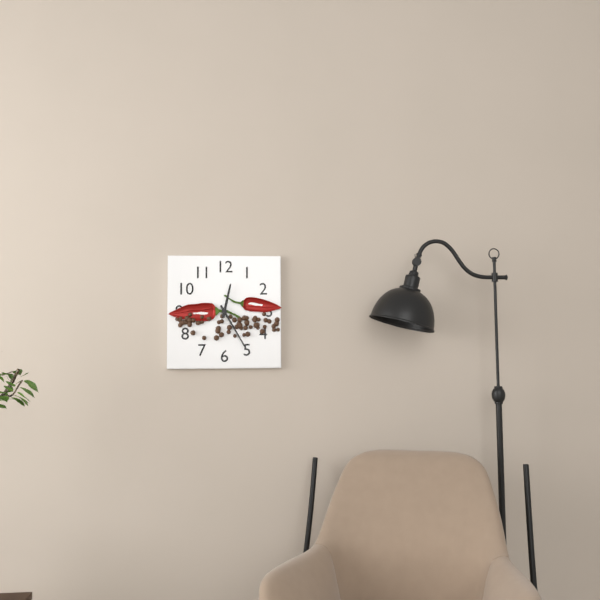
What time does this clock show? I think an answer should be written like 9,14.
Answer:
12,25
